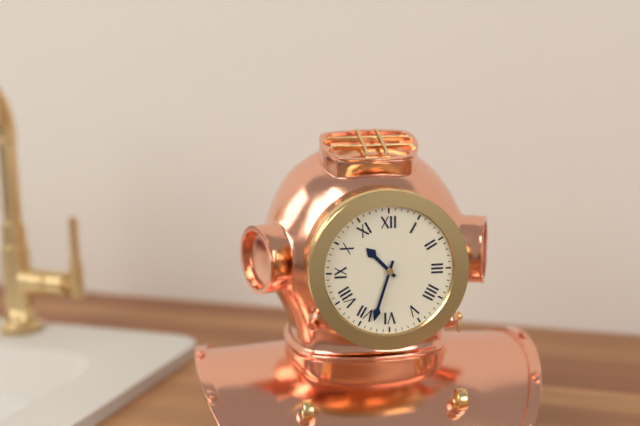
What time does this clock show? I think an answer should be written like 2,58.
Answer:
10,33
